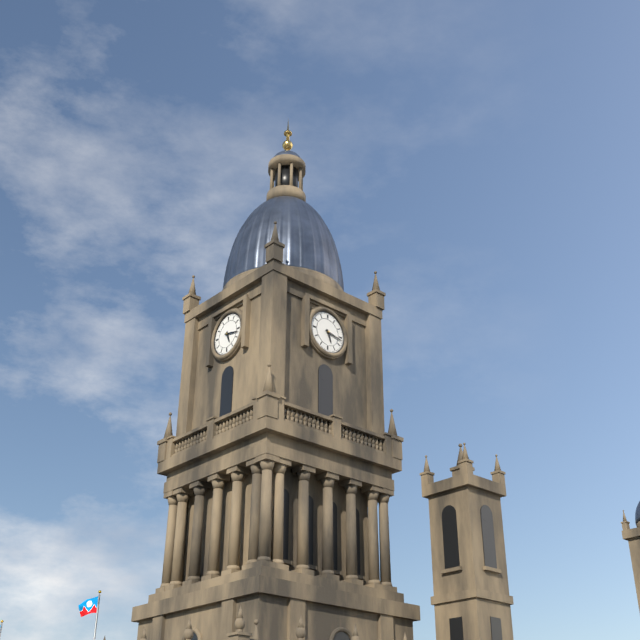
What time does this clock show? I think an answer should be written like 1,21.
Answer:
5,17
